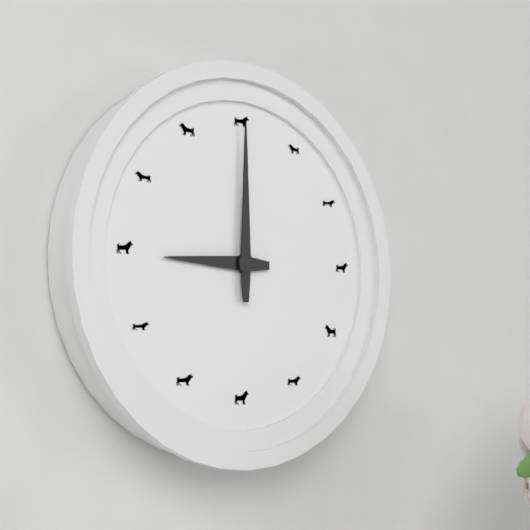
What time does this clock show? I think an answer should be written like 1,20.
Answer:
9,00
